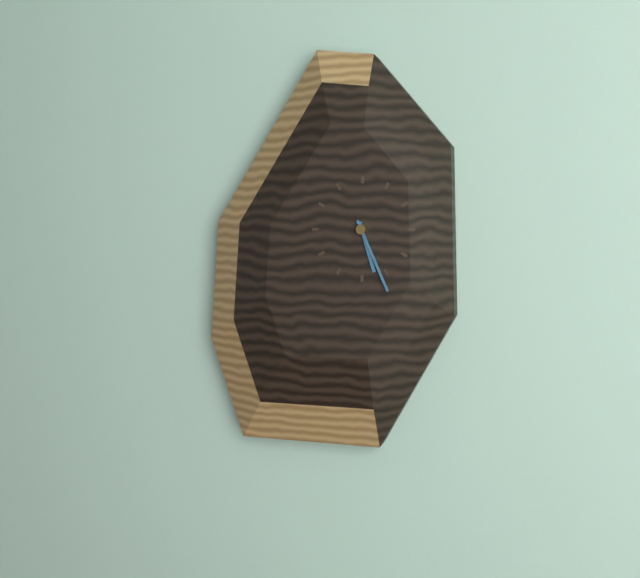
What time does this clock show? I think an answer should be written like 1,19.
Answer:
5,26
